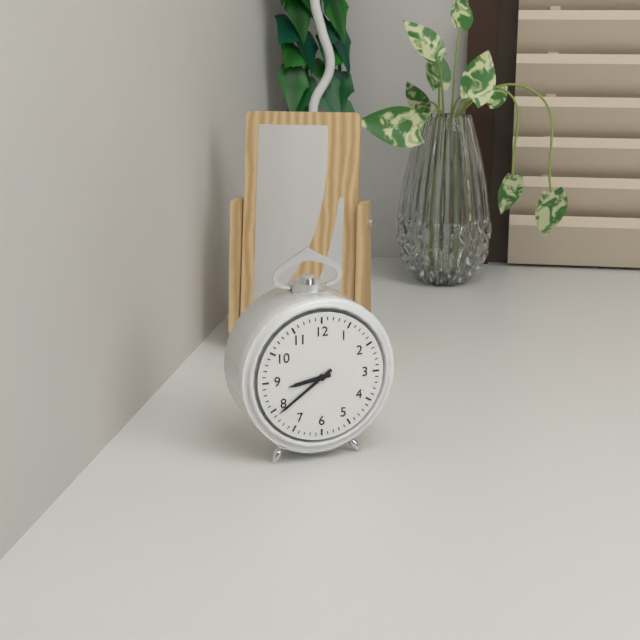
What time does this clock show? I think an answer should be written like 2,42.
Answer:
8,39
